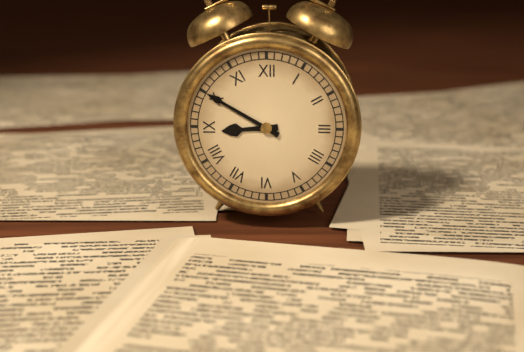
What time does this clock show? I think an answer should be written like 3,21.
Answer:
8,50
